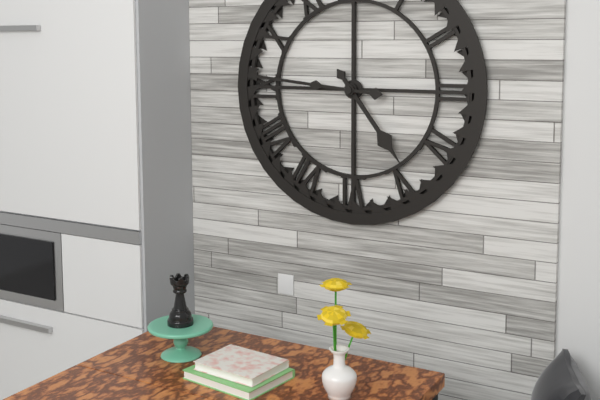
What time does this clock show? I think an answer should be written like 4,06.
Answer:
4,46
